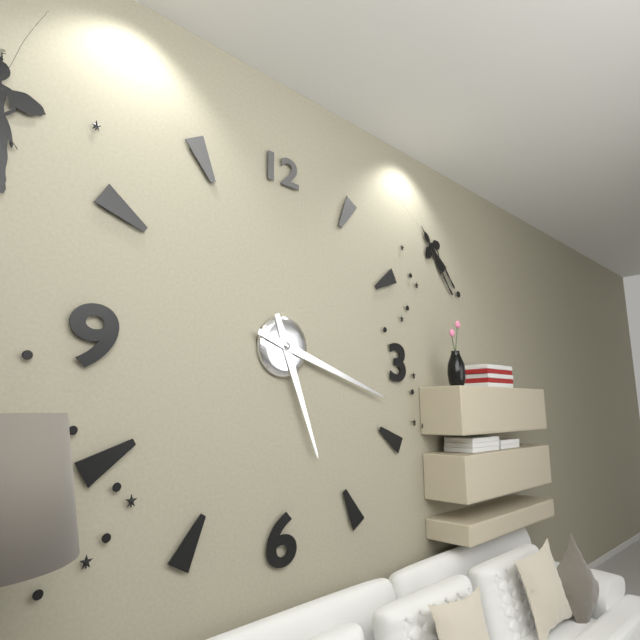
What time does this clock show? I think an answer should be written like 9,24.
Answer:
5,18
